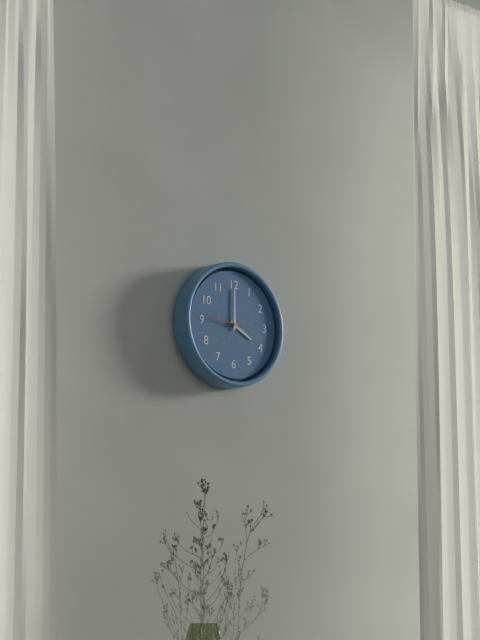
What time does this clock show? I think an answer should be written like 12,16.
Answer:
4,00
